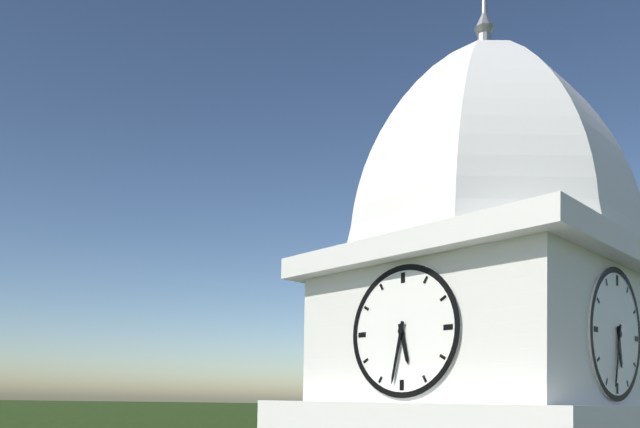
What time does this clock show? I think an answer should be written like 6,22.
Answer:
5,32
